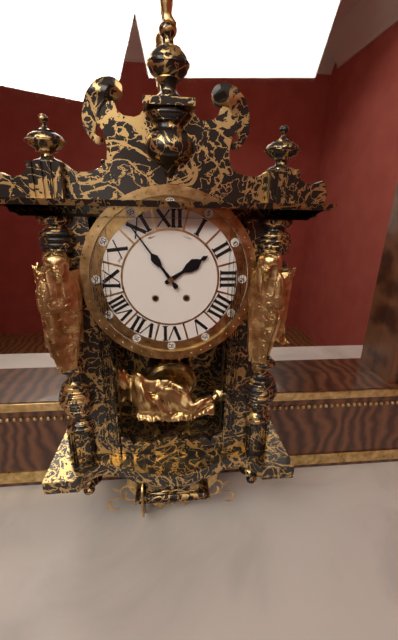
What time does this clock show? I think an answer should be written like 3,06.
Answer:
1,54
